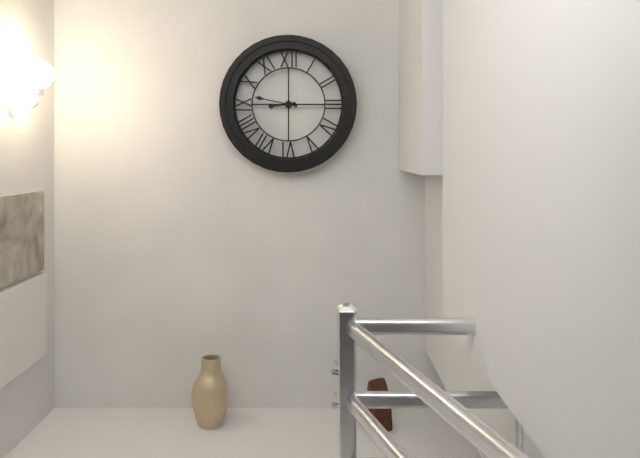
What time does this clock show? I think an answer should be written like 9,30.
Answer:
8,47
